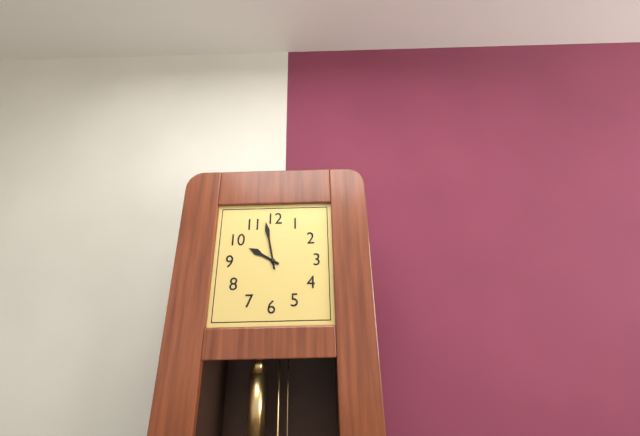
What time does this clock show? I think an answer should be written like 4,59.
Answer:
9,58
